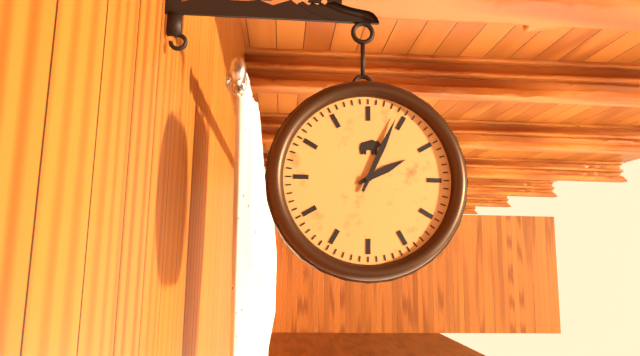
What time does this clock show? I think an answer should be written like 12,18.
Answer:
2,04
